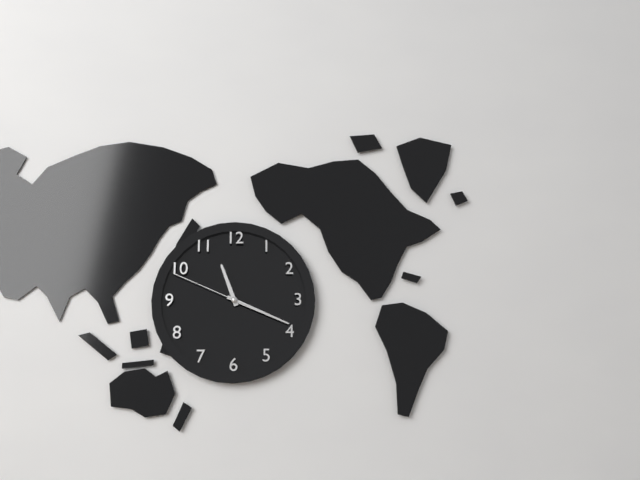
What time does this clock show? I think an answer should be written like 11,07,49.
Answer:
11,19,49
